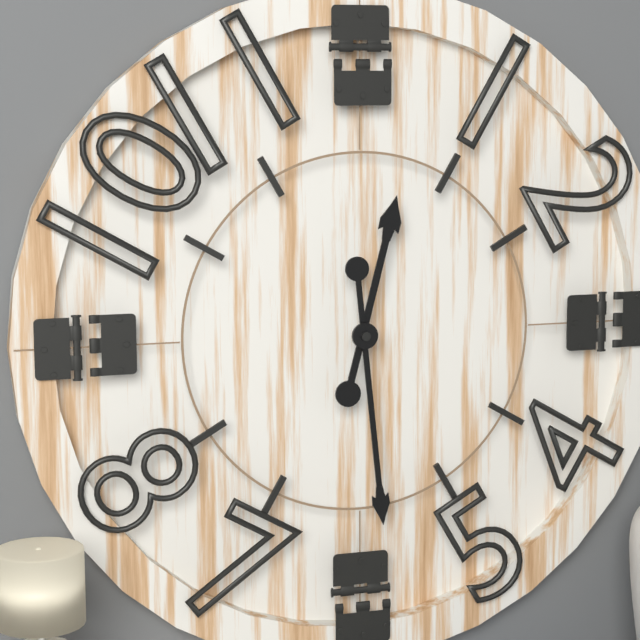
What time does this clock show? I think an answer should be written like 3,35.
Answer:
12,29
